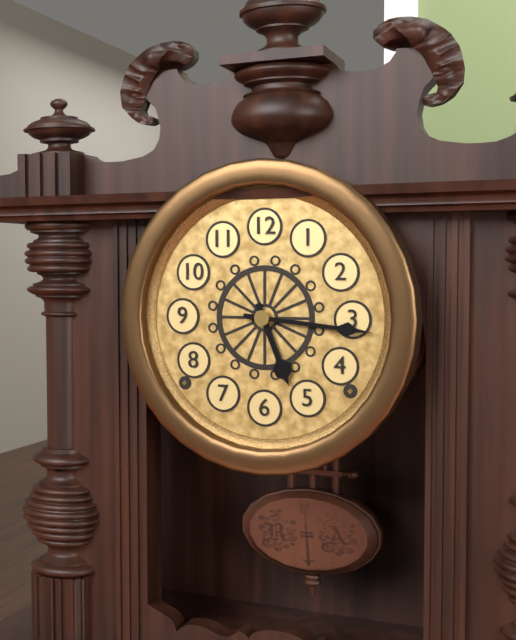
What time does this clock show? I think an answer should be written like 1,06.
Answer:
5,16
